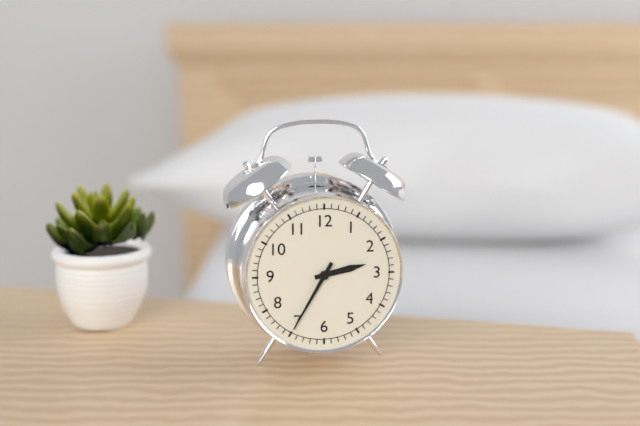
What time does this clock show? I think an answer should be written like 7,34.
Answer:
2,35
